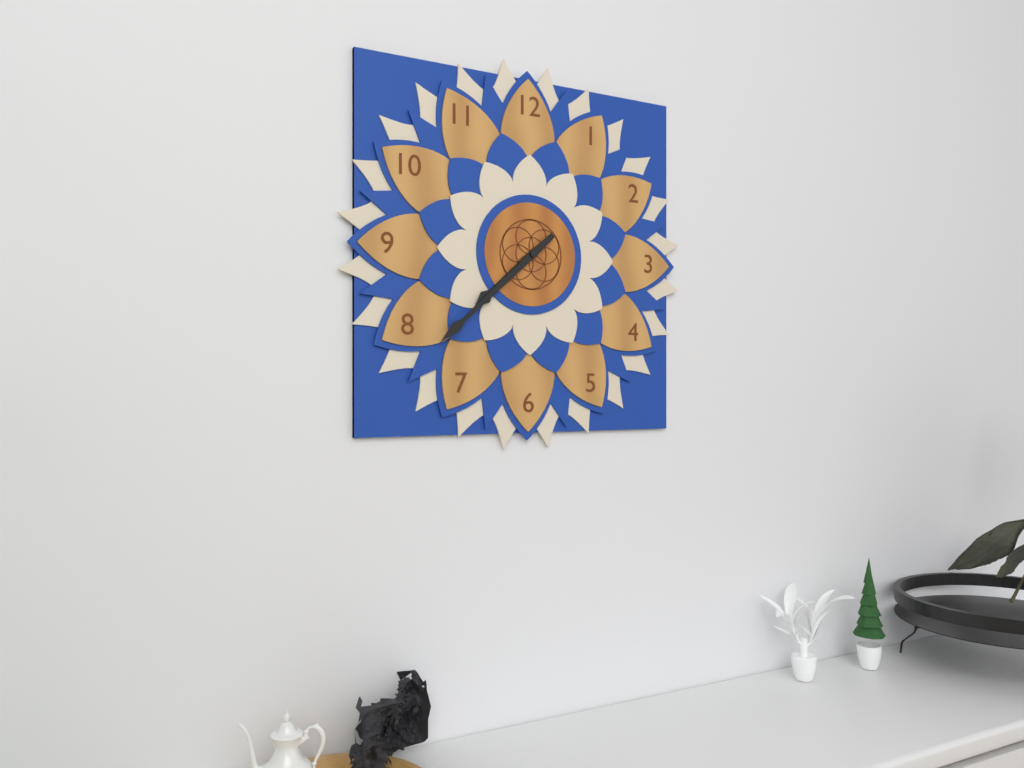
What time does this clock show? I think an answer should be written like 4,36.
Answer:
7,38
